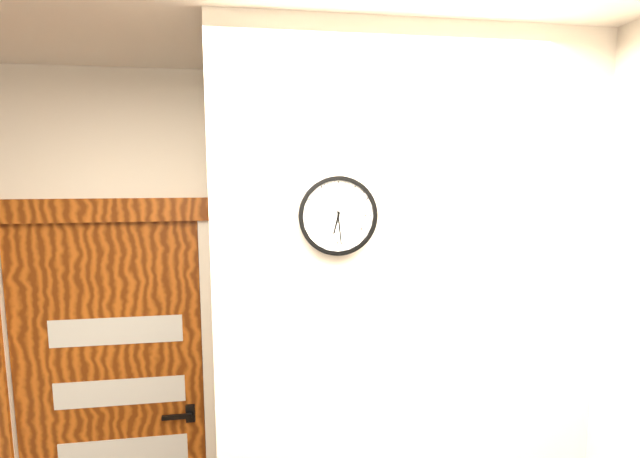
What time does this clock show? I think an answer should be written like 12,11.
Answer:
6,29
